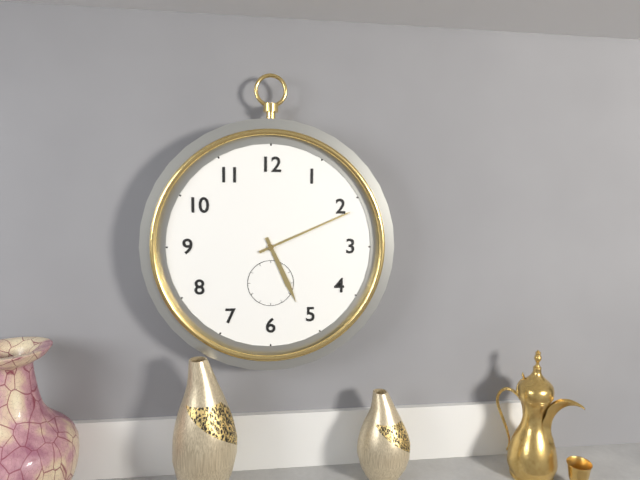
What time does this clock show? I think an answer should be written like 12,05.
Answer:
5,11
